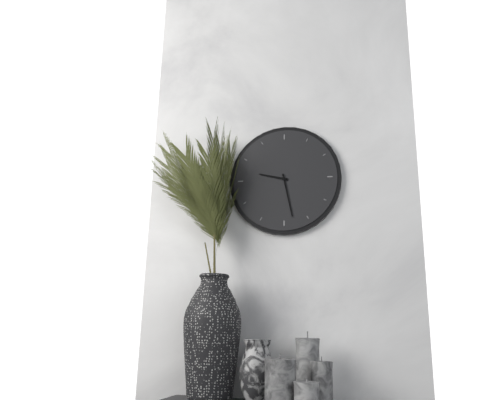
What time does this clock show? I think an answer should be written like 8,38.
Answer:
9,28
